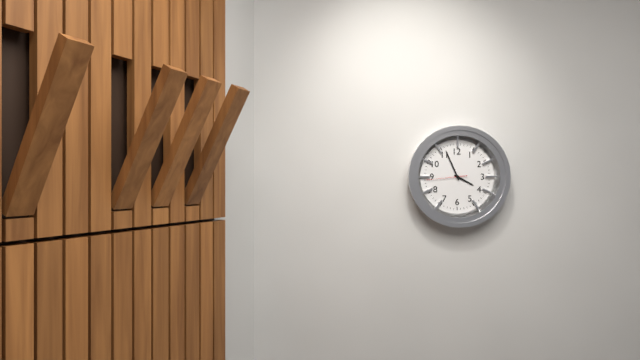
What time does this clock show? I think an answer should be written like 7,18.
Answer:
3,56
